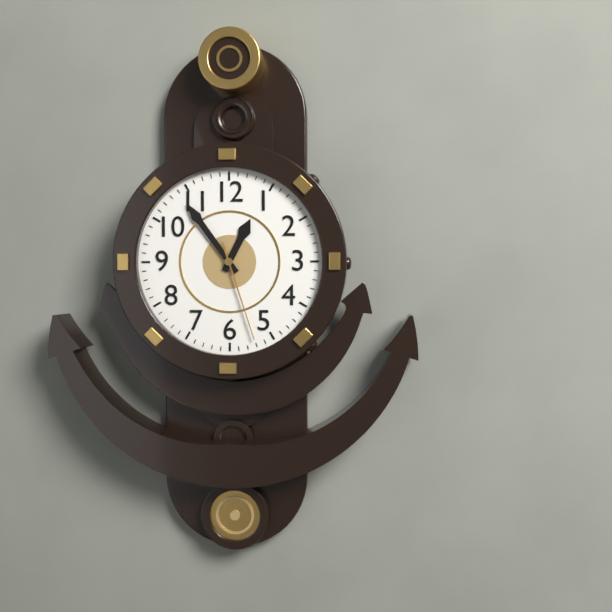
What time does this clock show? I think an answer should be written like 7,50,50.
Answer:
12,54,27
